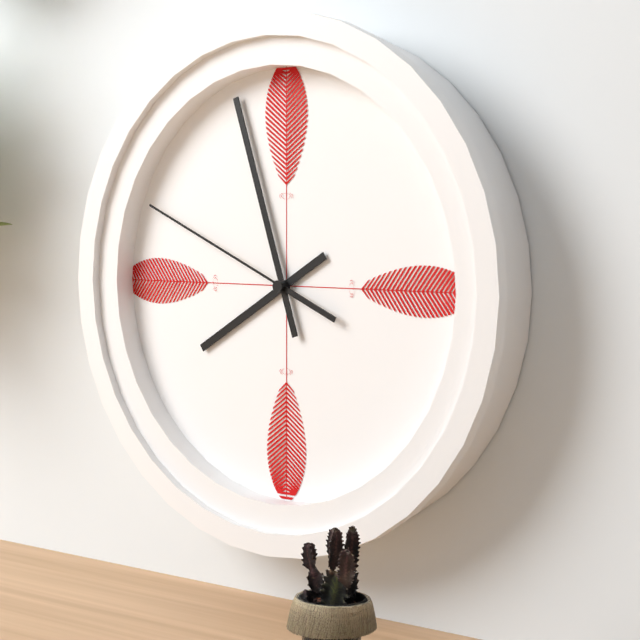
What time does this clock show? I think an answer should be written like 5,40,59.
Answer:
7,57,49
